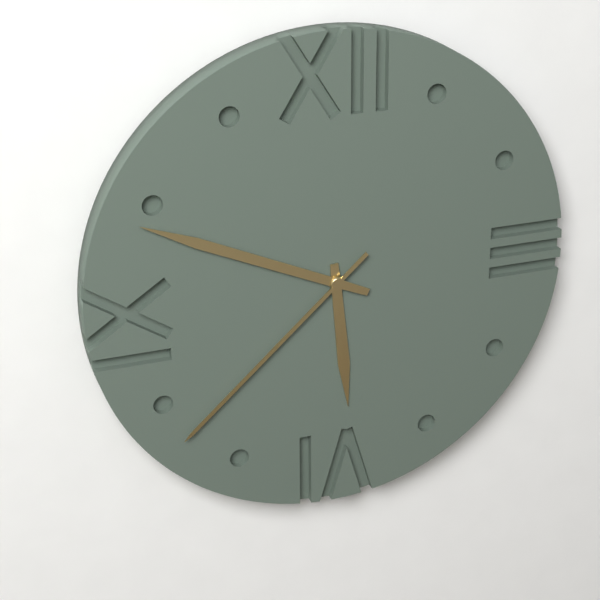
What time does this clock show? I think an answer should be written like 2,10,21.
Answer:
5,49,38
